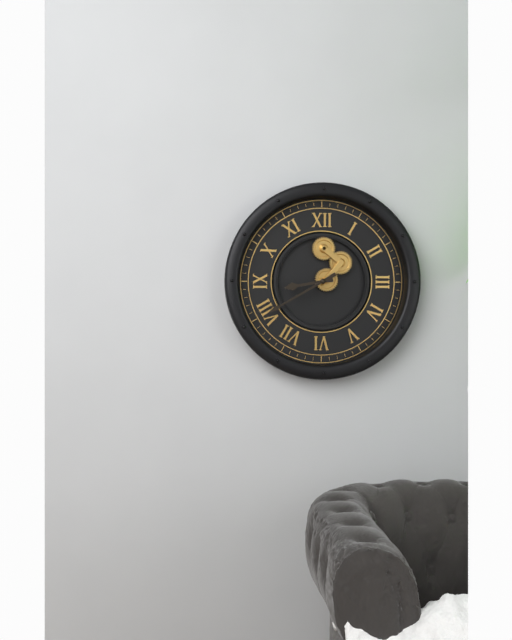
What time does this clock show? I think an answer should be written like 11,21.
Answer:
8,40
